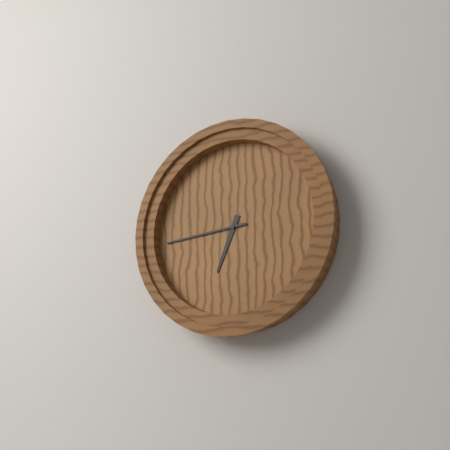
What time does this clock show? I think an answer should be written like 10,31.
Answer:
6,44
